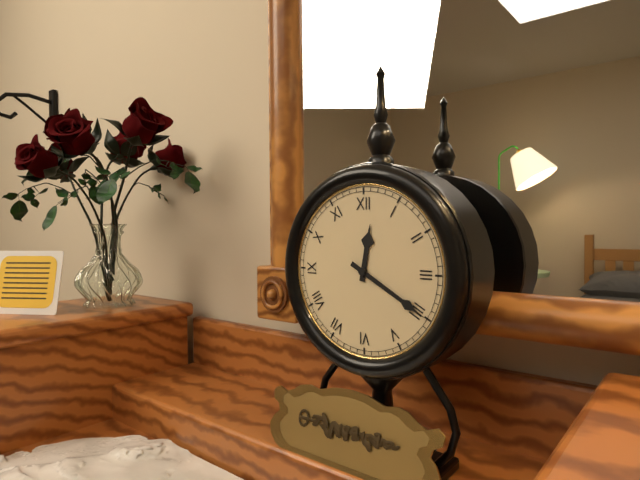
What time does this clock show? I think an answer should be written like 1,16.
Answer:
12,20
